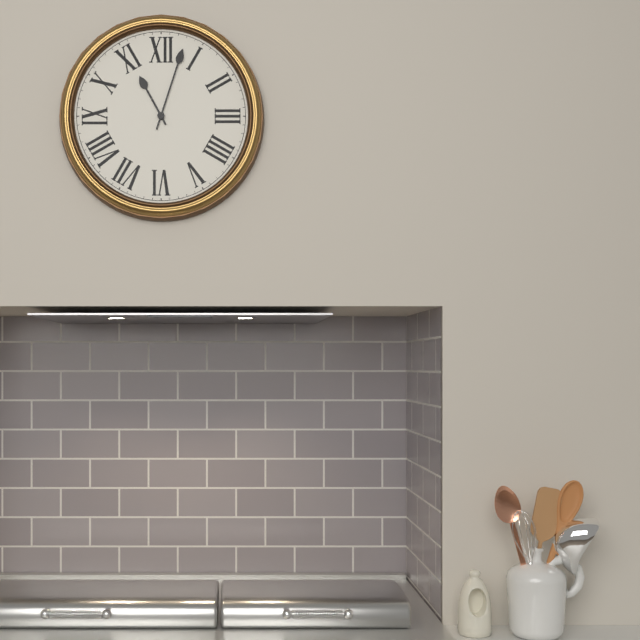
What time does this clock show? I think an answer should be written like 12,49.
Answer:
11,03
